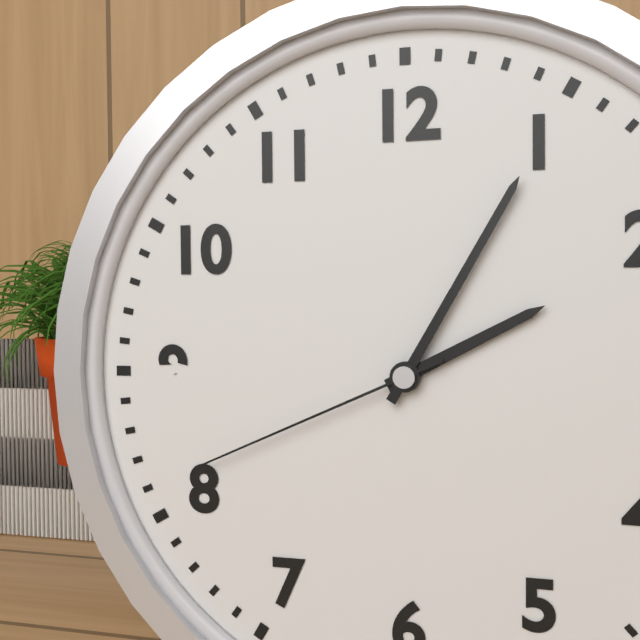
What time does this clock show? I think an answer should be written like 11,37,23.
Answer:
2,05,41
